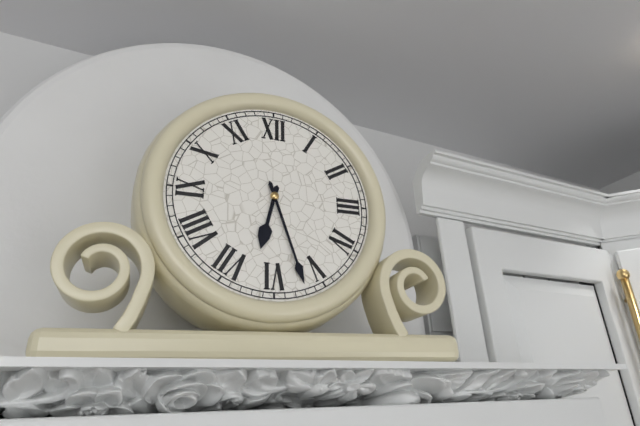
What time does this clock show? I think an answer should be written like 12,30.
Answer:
6,27
